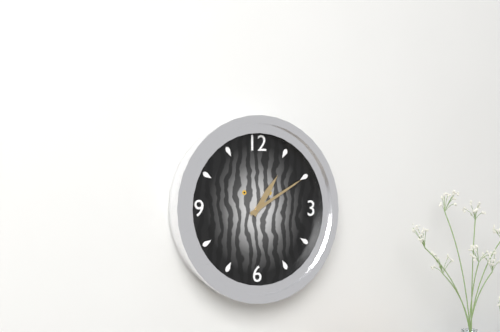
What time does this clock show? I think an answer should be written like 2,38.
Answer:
1,10
